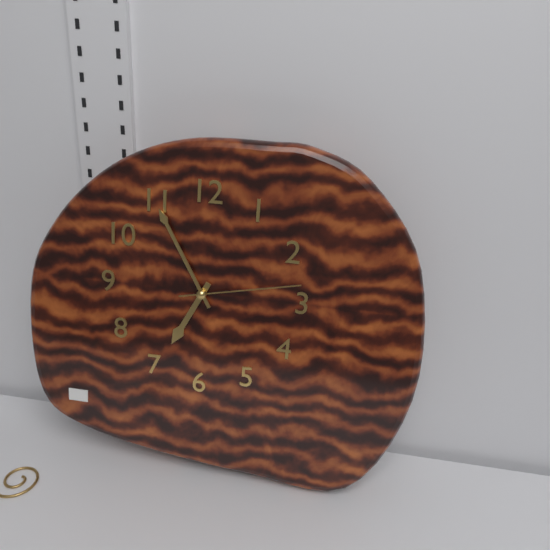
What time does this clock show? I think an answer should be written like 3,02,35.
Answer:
6,55,13
